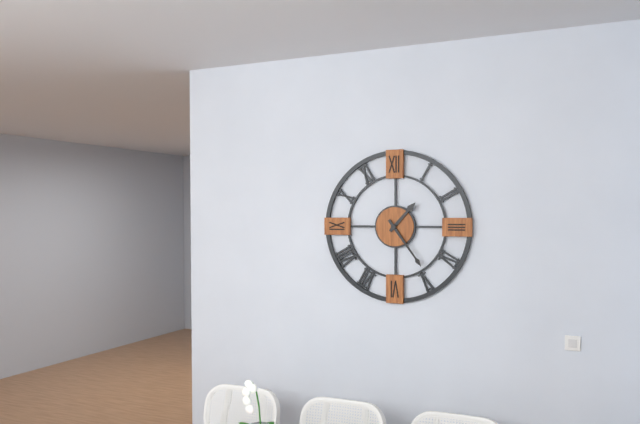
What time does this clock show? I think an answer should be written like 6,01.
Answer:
1,24
